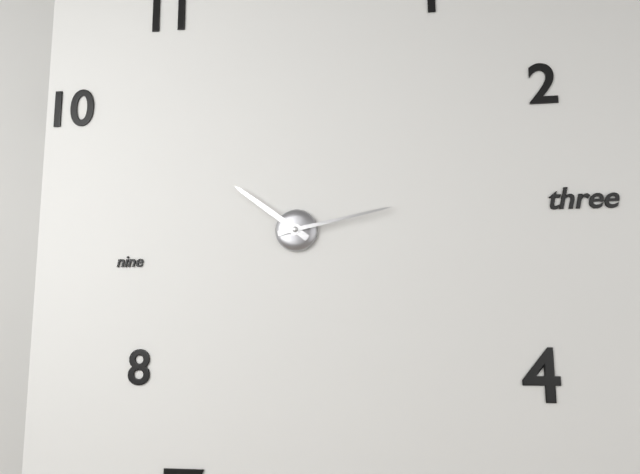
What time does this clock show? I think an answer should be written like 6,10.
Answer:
10,13
